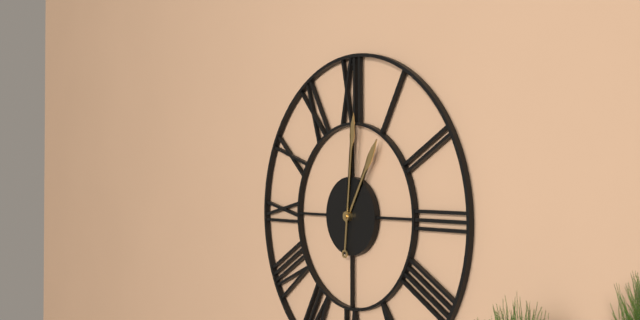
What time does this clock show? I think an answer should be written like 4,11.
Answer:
1,01
